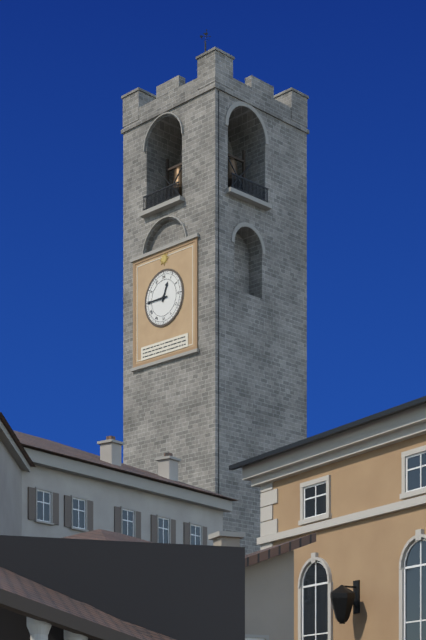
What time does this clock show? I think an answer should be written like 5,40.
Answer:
12,45
